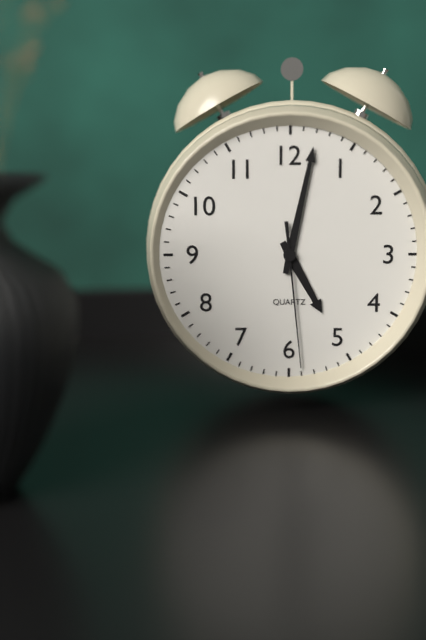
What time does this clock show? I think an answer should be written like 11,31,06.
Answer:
5,02,29
